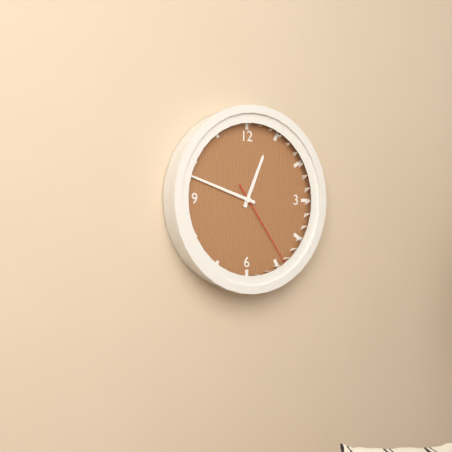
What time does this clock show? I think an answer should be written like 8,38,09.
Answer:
12,48,24
